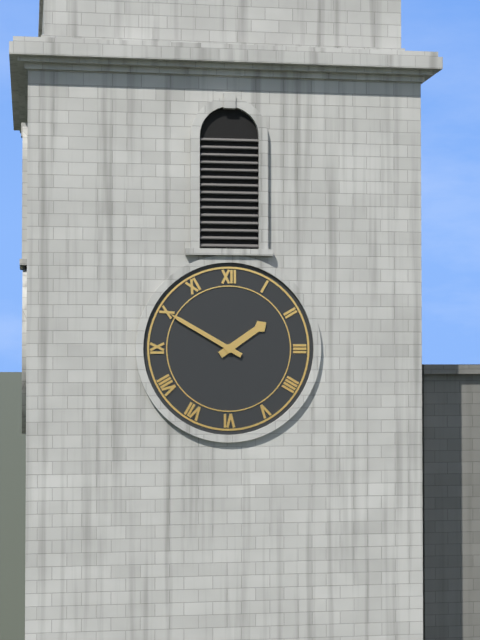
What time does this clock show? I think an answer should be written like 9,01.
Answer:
1,50
